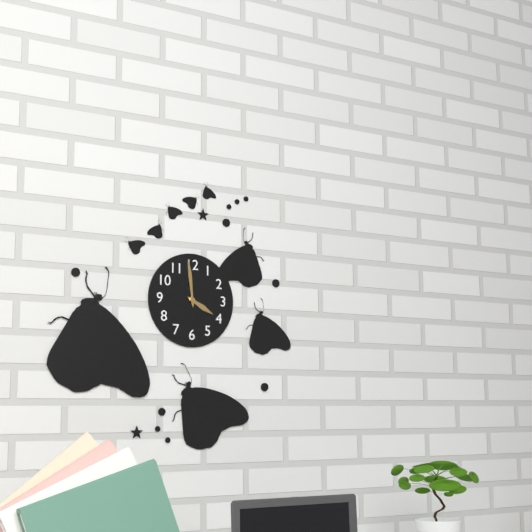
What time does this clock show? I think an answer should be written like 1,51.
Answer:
3,59
